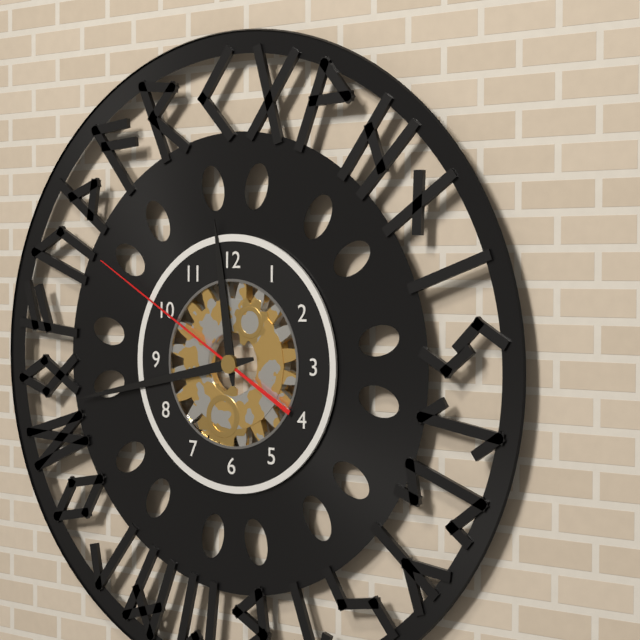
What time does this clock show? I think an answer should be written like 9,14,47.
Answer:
11,43,50
